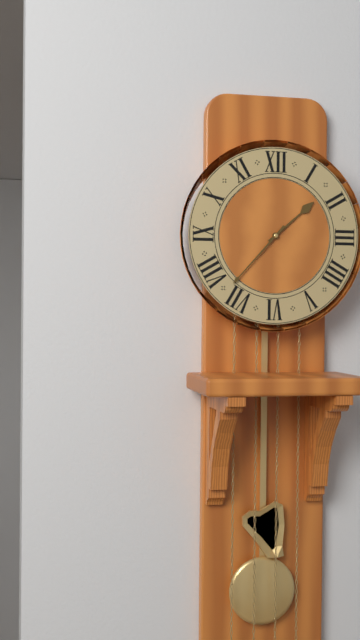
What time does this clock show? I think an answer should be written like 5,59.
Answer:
1,37
